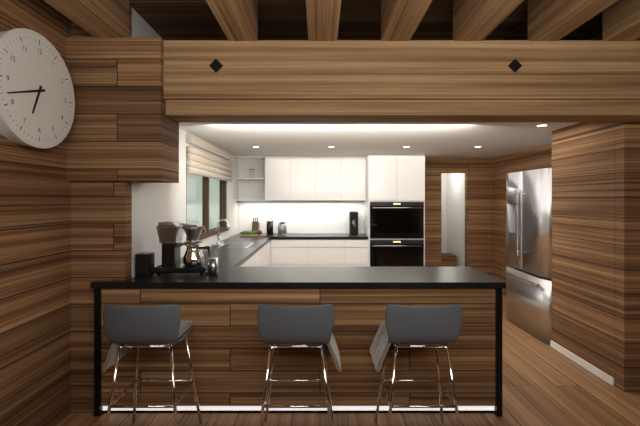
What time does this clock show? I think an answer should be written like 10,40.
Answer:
6,42
